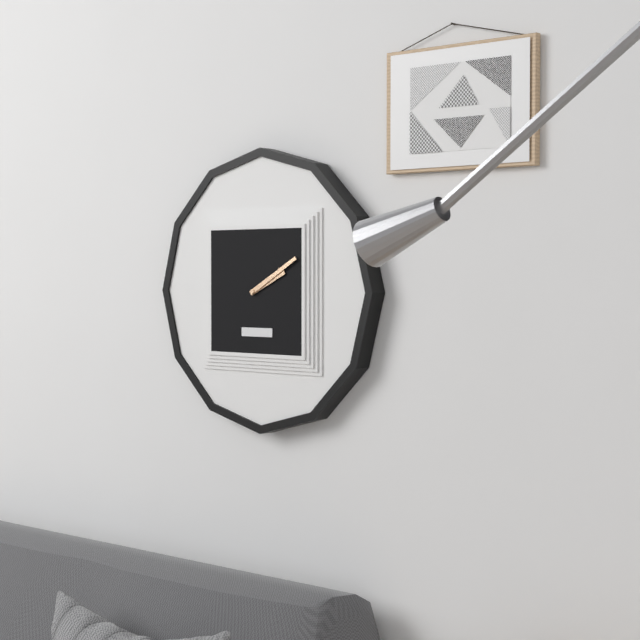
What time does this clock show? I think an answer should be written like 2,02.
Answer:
2,10
